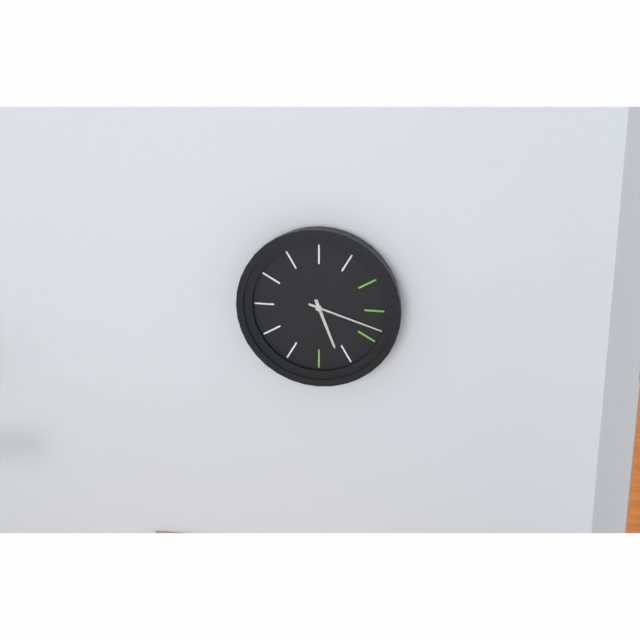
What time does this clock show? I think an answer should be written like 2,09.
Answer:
5,18
